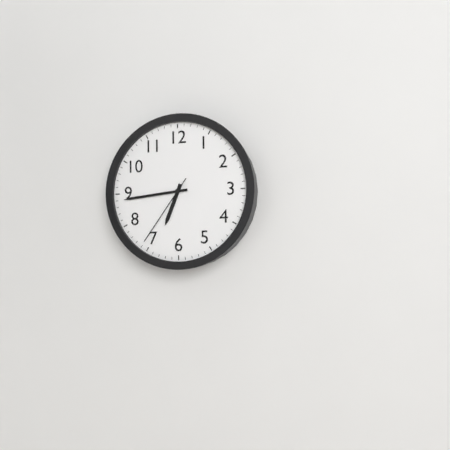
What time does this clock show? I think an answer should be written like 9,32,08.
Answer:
6,44,36
